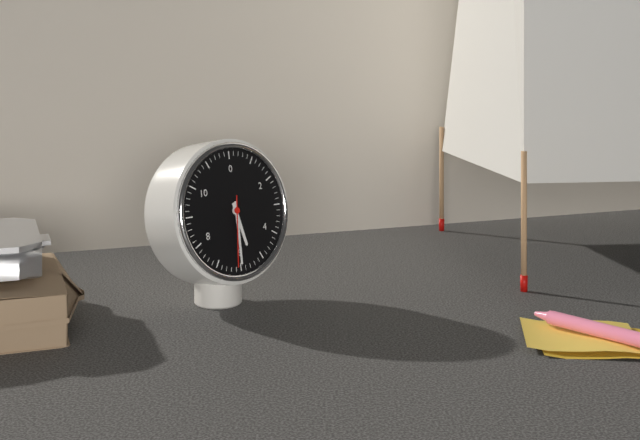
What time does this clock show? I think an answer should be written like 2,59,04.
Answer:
5,30,31
